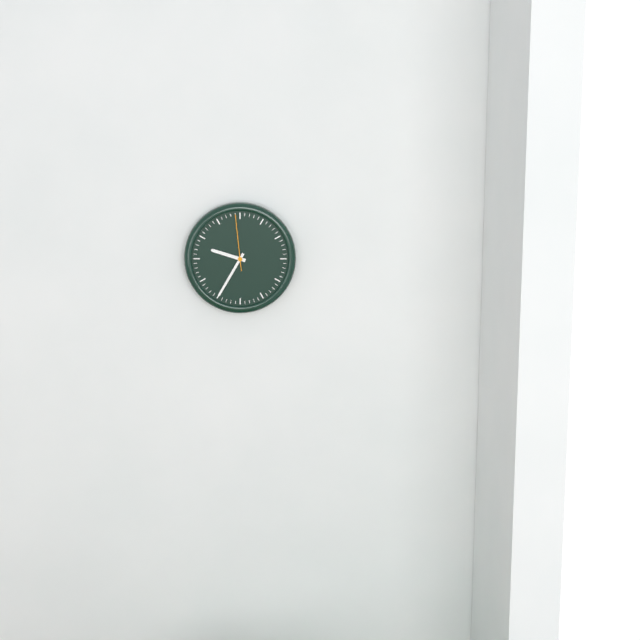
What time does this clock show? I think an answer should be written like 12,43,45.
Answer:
9,35,59
